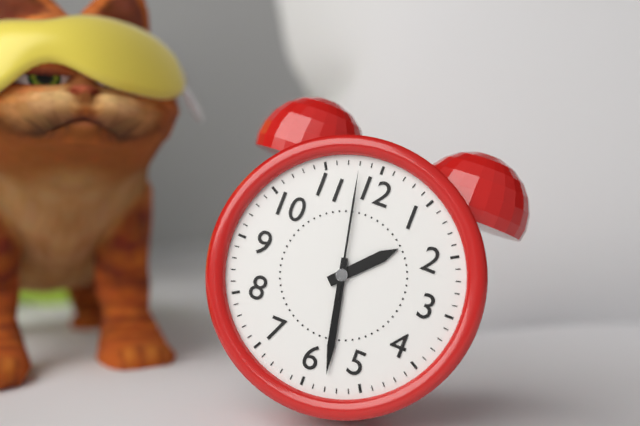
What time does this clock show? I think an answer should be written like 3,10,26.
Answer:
1,28,58
